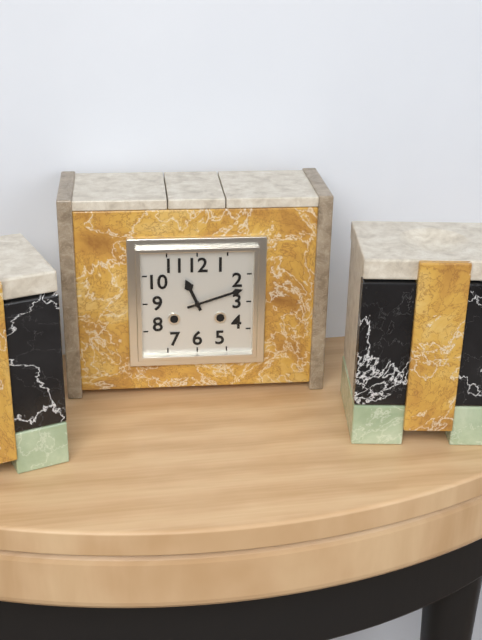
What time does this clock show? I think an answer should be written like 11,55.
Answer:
11,12
